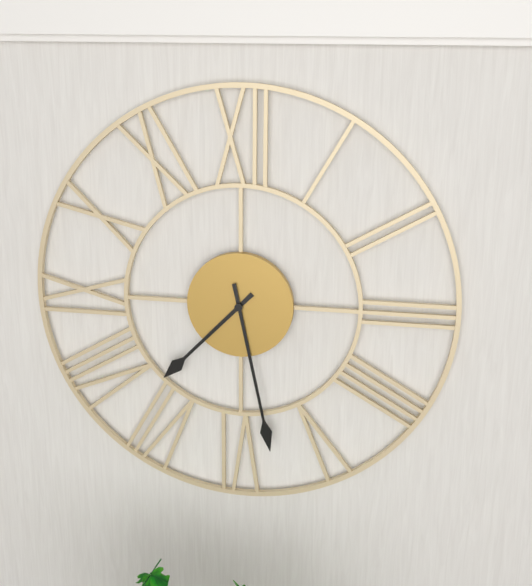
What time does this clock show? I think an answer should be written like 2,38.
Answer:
7,28
